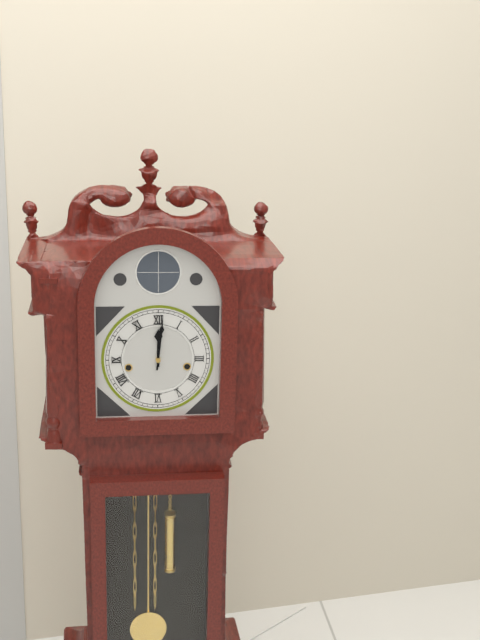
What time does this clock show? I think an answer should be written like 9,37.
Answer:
12,01
